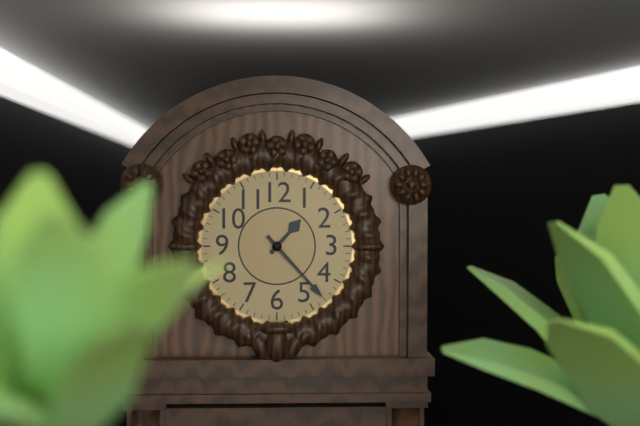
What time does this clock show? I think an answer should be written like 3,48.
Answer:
1,23
